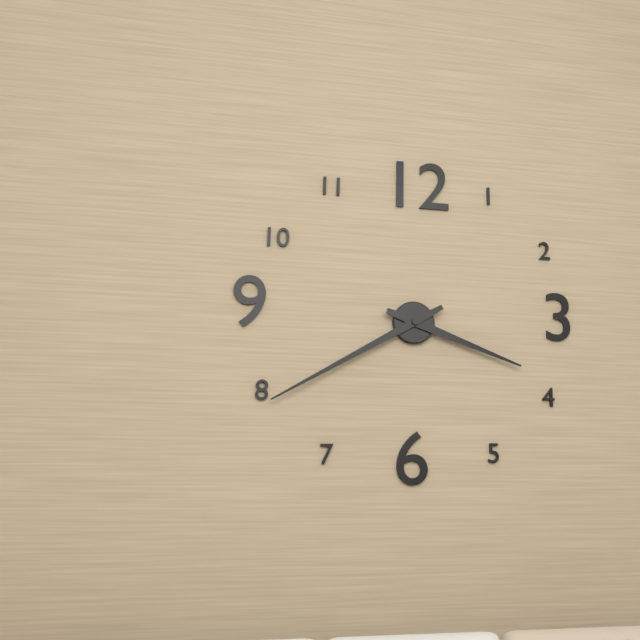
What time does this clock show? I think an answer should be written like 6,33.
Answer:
3,40
